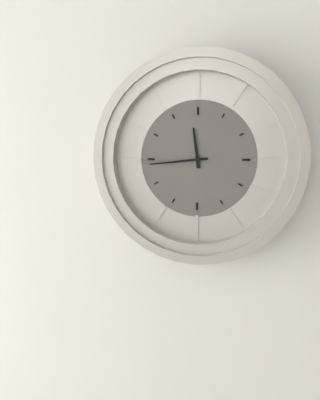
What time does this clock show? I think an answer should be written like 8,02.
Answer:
11,44
